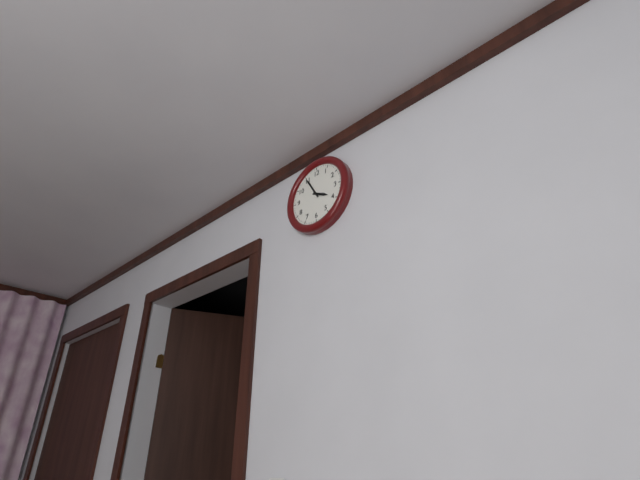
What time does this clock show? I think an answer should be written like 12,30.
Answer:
3,55
